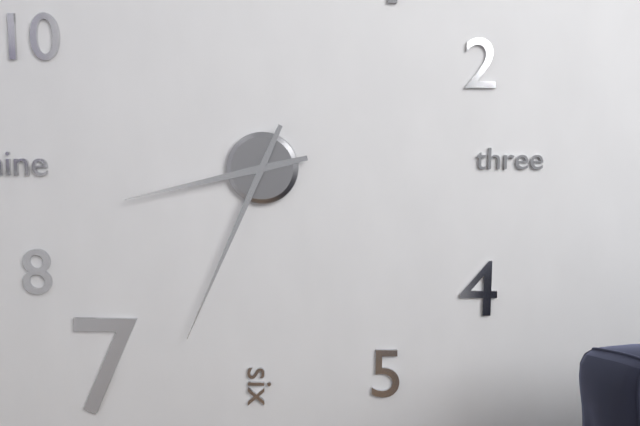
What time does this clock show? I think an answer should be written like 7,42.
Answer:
8,34
